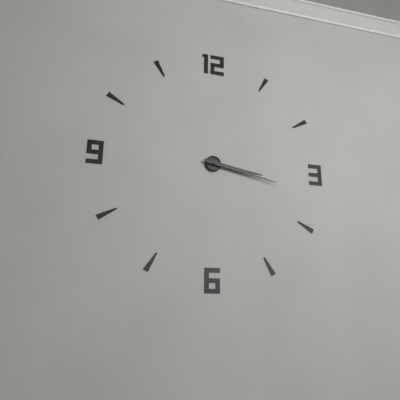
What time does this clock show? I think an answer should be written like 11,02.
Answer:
3,17
